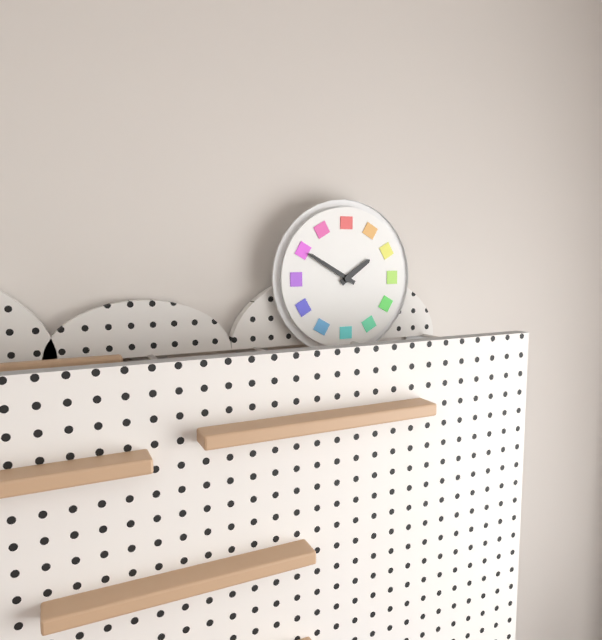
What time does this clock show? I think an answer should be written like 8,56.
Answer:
1,50
